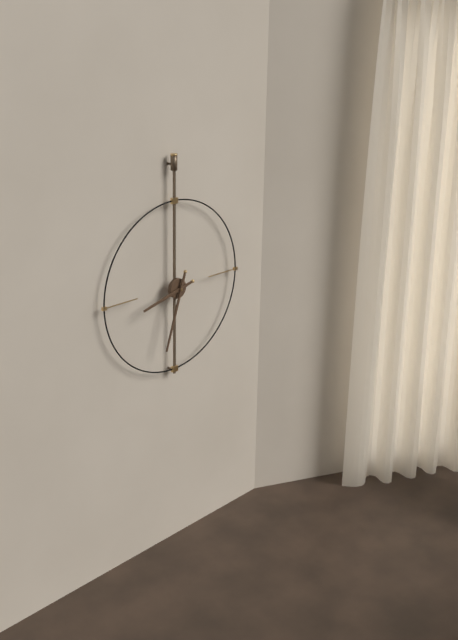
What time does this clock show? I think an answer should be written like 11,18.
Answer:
8,33
